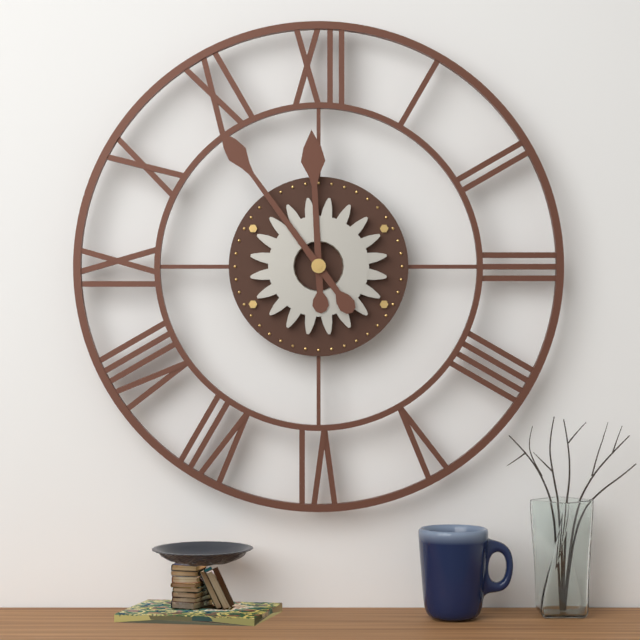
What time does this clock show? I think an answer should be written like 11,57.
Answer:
11,54
